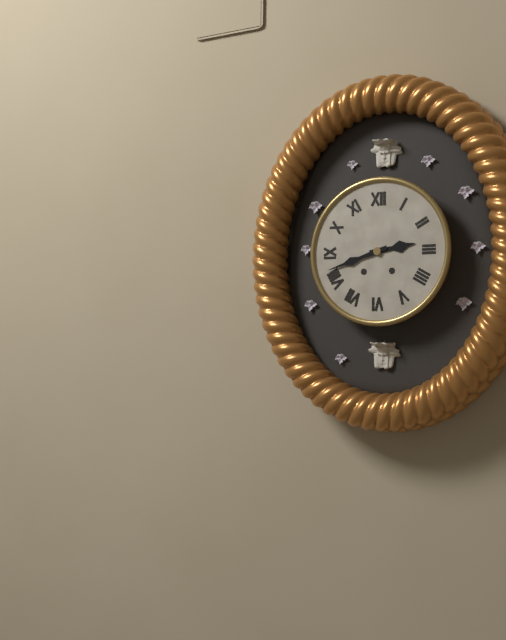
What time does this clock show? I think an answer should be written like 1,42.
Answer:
2,42
